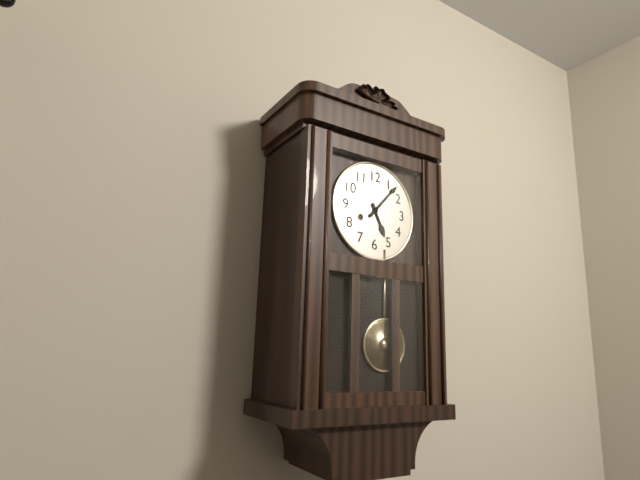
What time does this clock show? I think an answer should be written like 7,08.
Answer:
5,07
